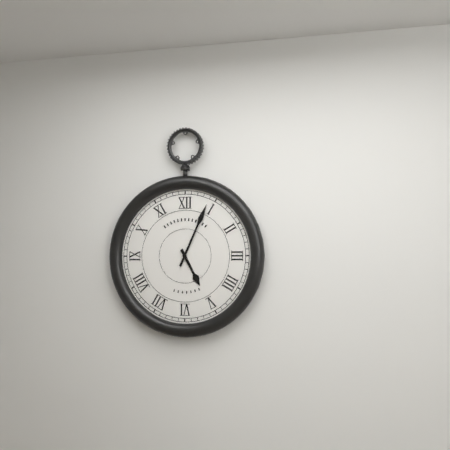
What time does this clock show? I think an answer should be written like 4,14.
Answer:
5,04
